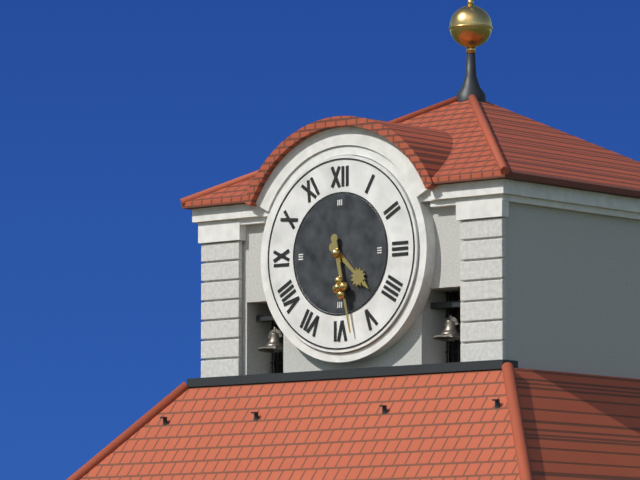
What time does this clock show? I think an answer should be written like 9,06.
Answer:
4,28
